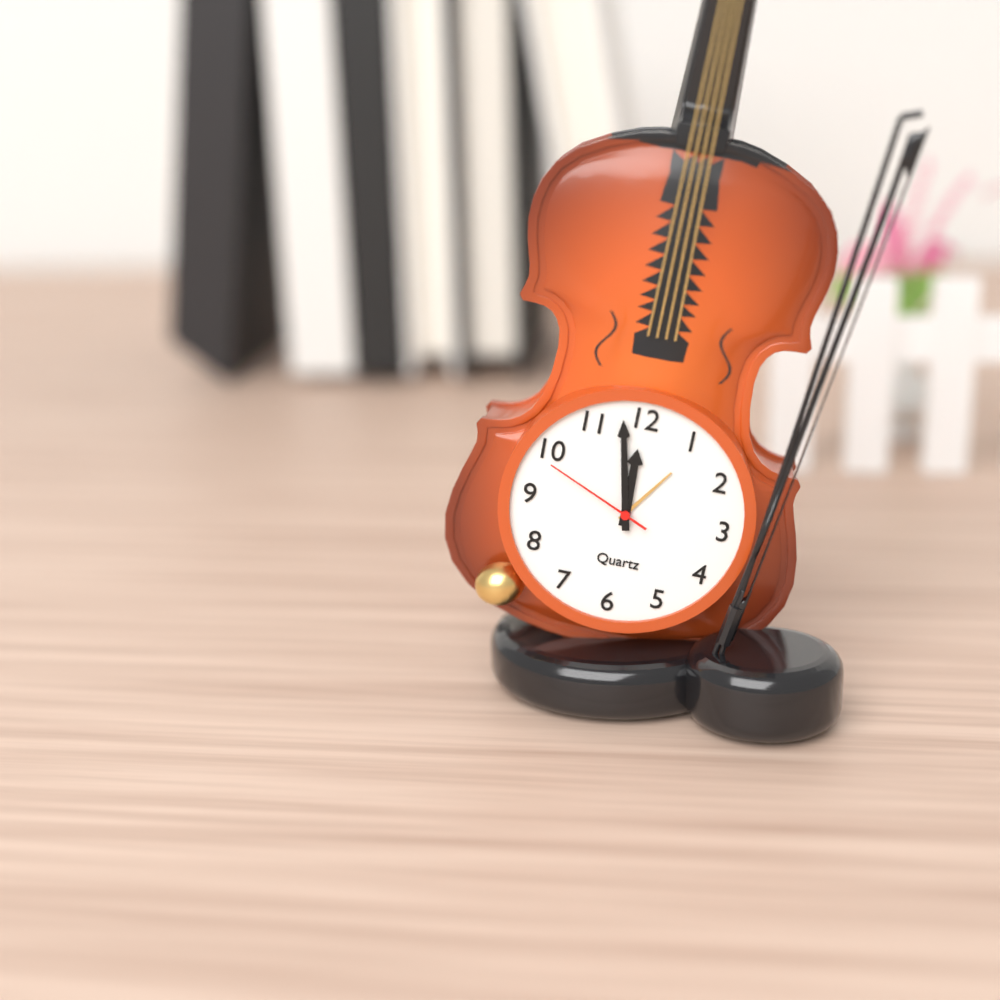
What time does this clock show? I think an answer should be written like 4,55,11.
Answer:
11,58,49
